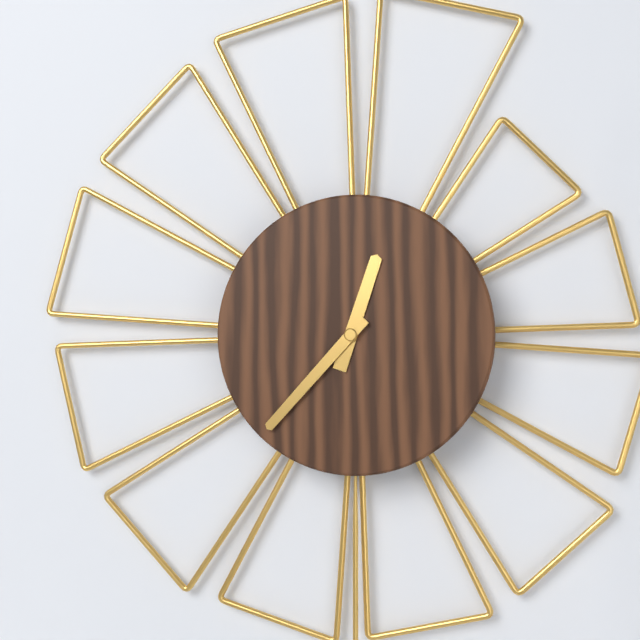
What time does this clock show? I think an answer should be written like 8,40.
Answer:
12,37
